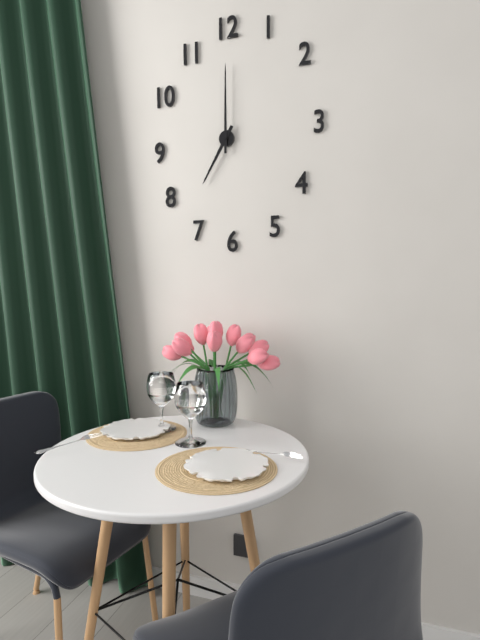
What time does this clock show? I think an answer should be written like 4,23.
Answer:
7,00
